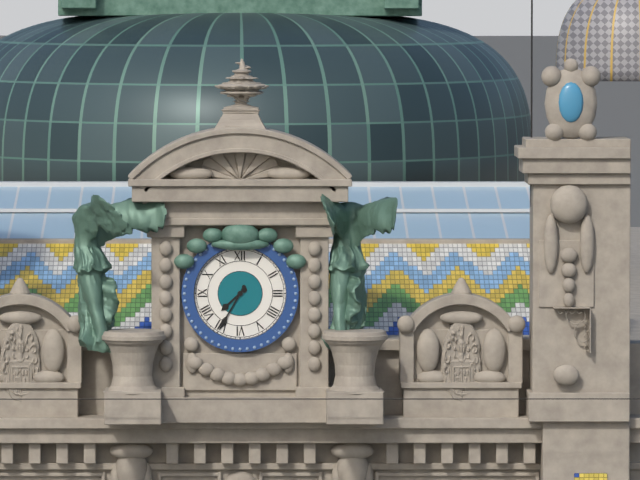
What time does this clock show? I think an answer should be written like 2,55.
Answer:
7,35
